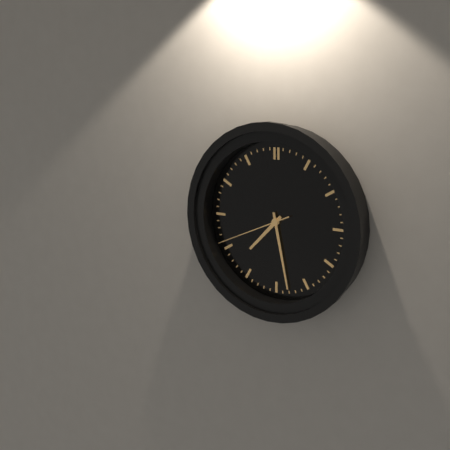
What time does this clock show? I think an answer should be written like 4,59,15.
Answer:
7,28,41
